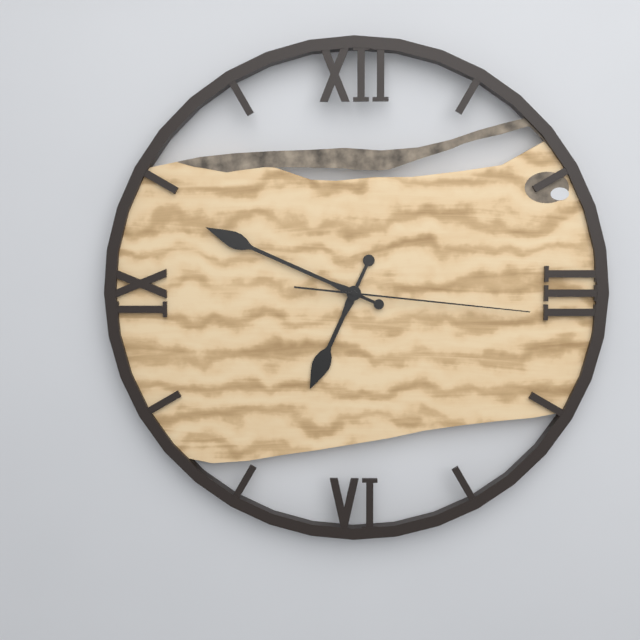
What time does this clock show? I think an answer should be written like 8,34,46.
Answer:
6,49,16
